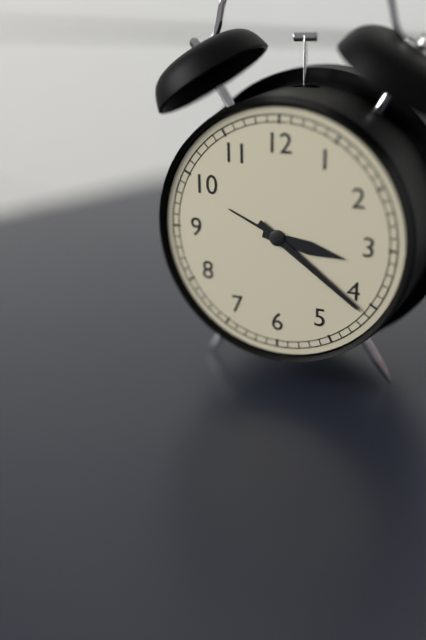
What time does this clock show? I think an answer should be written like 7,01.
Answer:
3,21
